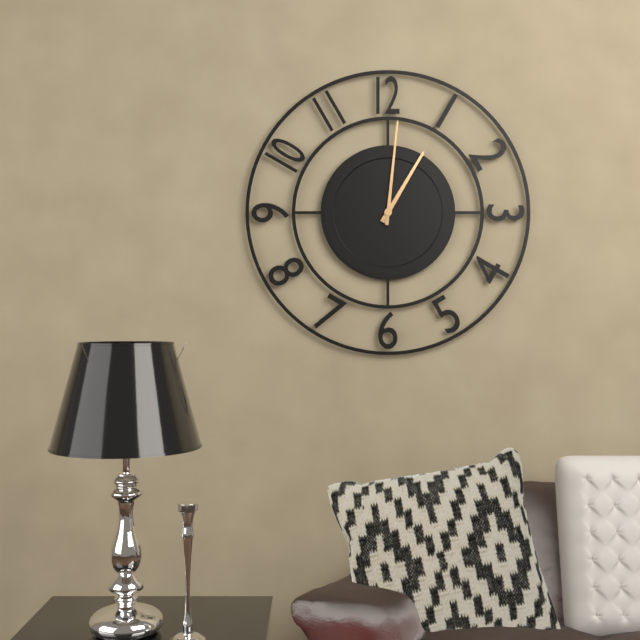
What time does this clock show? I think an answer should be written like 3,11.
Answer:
1,01
